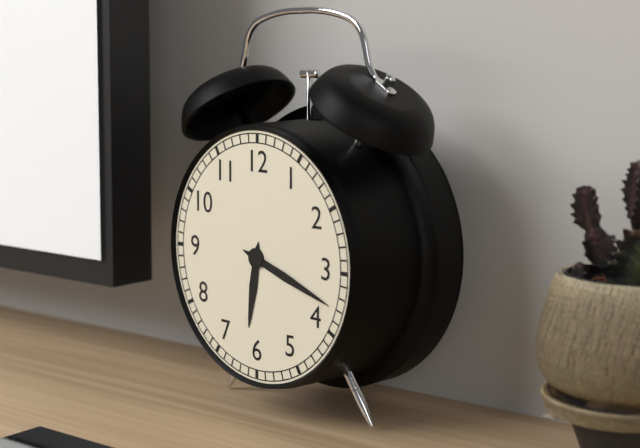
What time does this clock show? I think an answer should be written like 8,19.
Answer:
6,18
